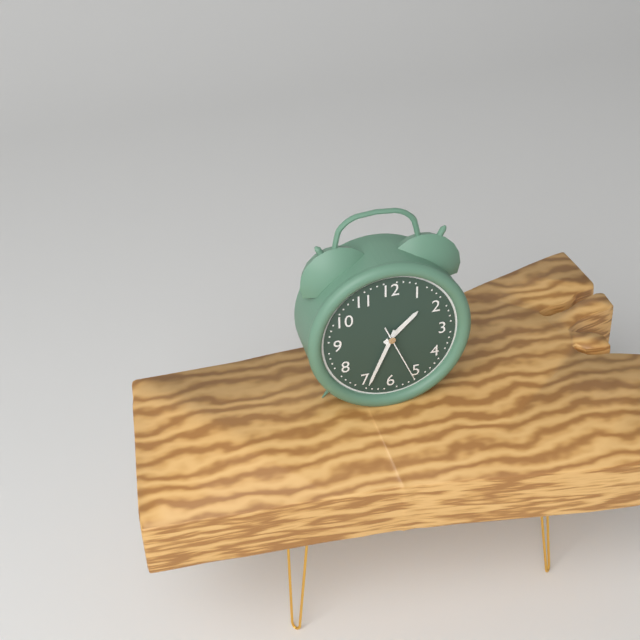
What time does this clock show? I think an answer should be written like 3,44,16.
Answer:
1,34,26
